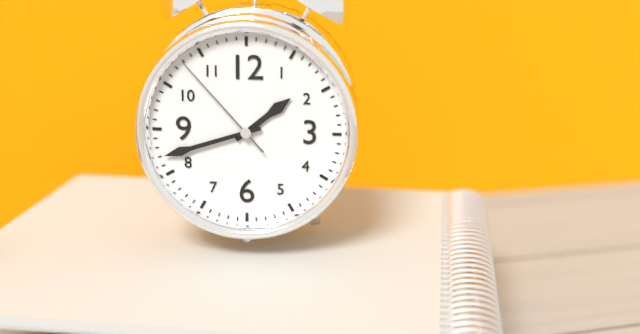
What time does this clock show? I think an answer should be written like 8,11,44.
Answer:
1,42,53
